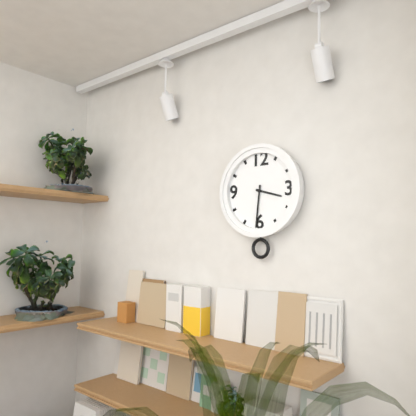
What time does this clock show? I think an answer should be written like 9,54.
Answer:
3,31
